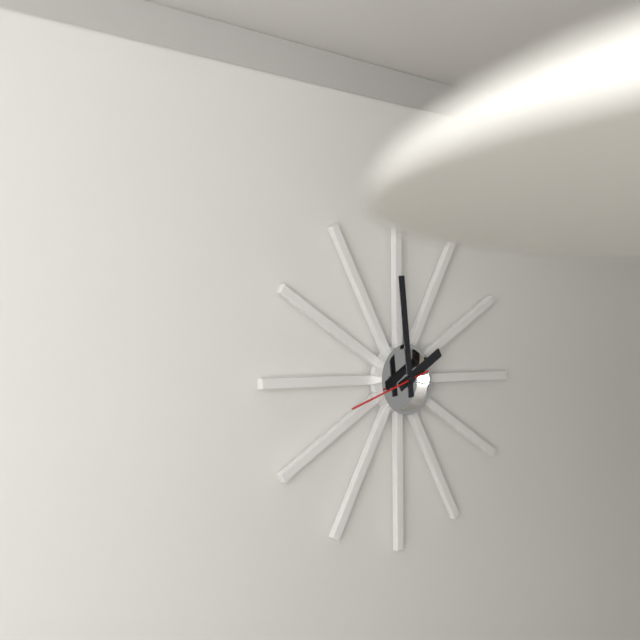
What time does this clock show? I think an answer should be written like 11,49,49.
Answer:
1,59,42
